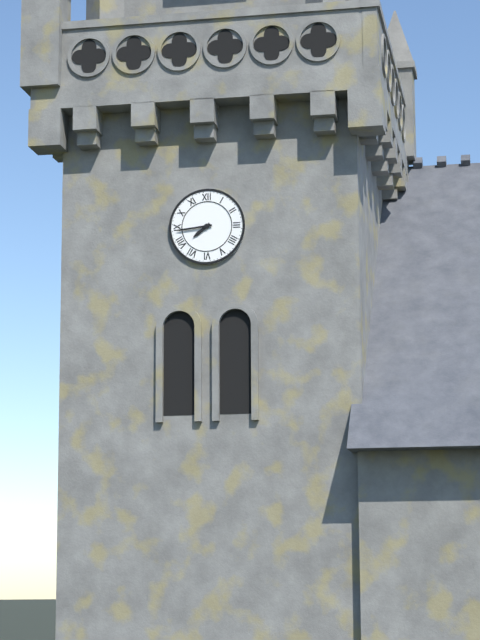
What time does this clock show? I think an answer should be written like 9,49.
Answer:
7,44
